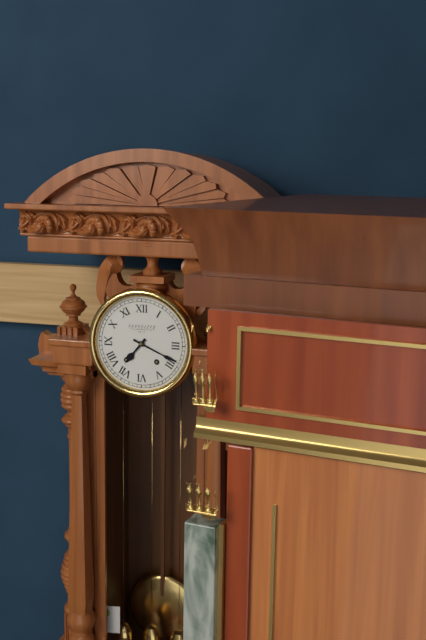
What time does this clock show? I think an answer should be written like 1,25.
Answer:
7,19
